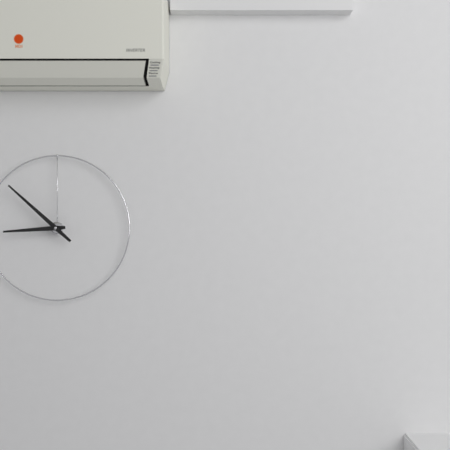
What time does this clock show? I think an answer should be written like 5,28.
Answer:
8,52
